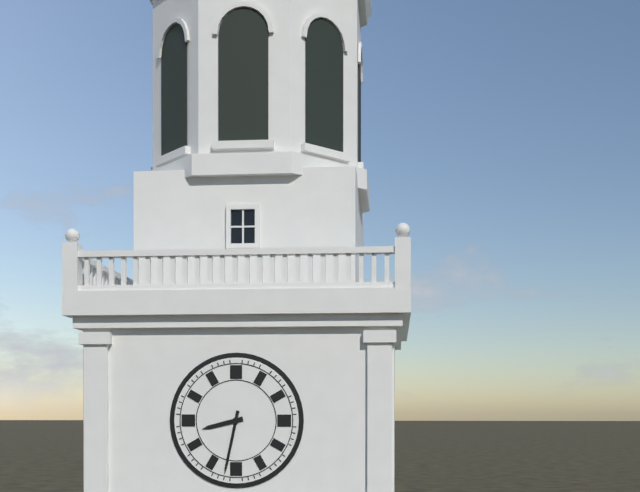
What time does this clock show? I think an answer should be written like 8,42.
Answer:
8,32
